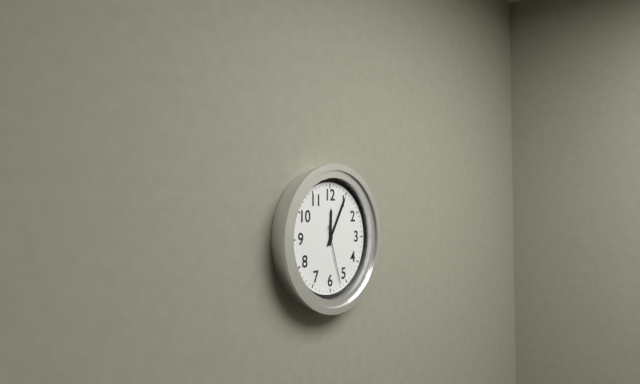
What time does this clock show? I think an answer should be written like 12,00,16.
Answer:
12,05,27
